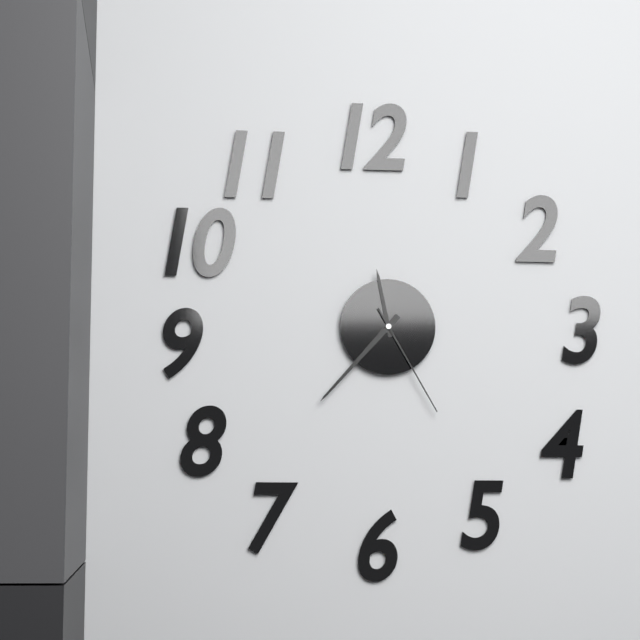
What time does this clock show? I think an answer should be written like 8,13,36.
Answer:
11,37,25
